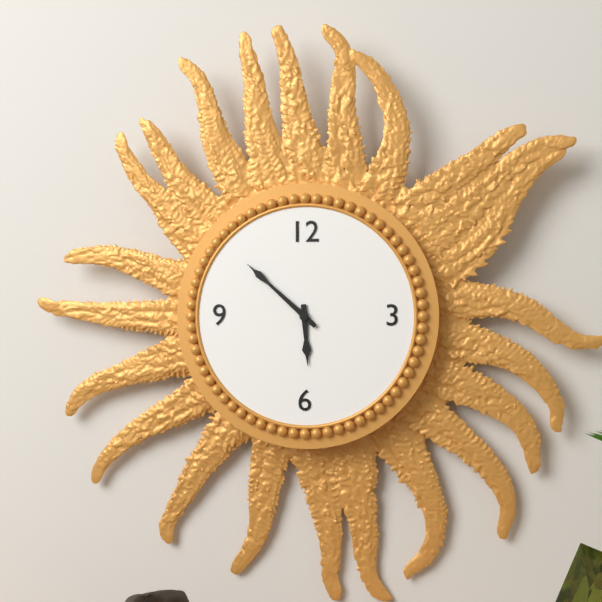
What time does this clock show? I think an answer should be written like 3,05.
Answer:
5,52
